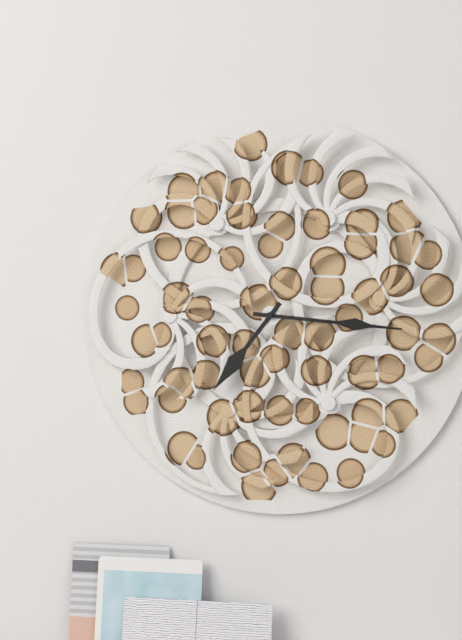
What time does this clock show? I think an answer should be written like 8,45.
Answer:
7,16
